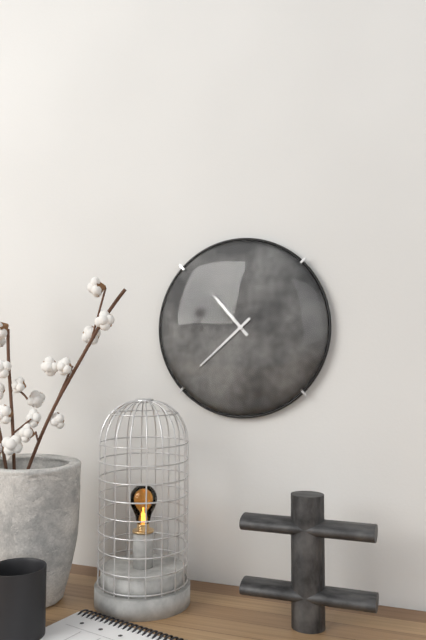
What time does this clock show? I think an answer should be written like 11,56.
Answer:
10,38
